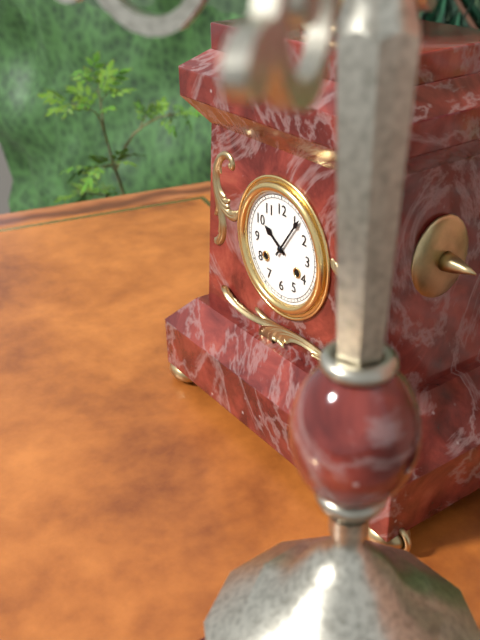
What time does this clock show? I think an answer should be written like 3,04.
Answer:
10,06
